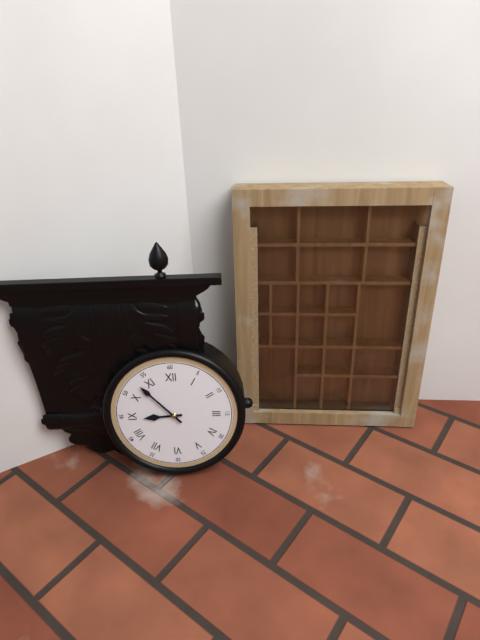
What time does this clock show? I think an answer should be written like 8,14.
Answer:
8,53
